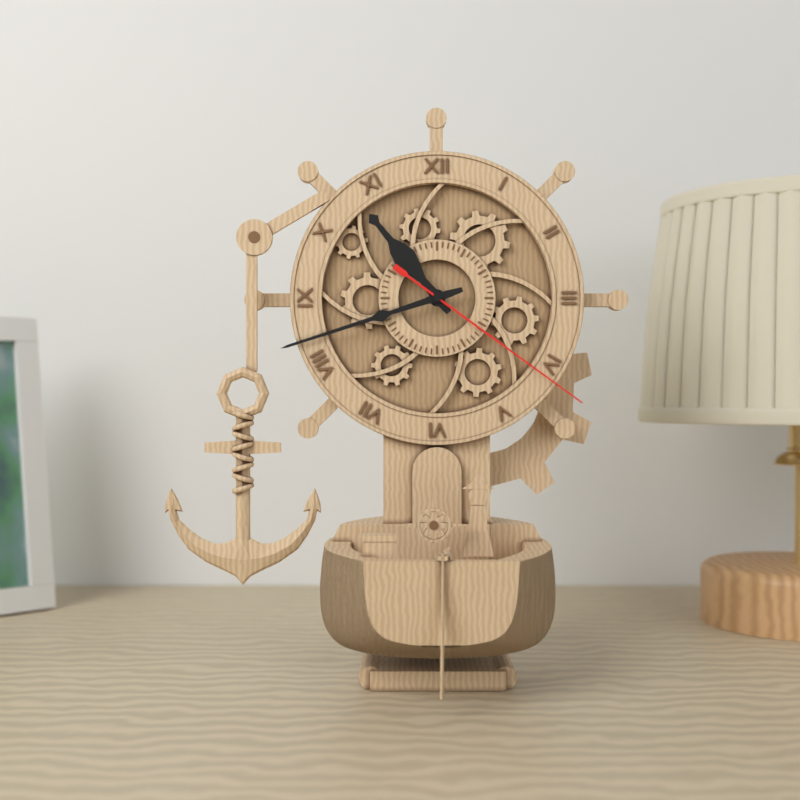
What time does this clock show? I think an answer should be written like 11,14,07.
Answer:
10,42,21
